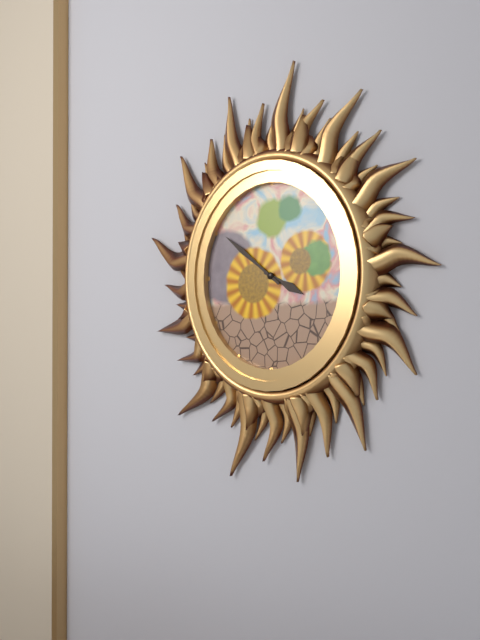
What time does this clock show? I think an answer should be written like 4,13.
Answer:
3,51
